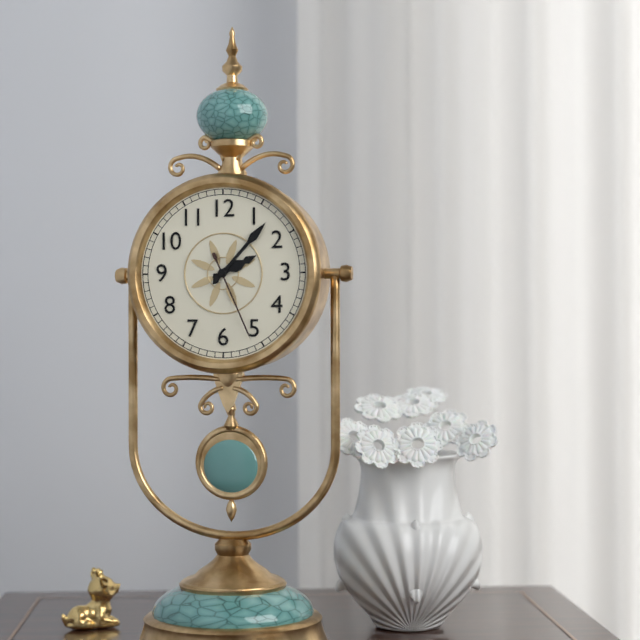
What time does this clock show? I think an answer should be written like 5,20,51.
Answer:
2,07,26
